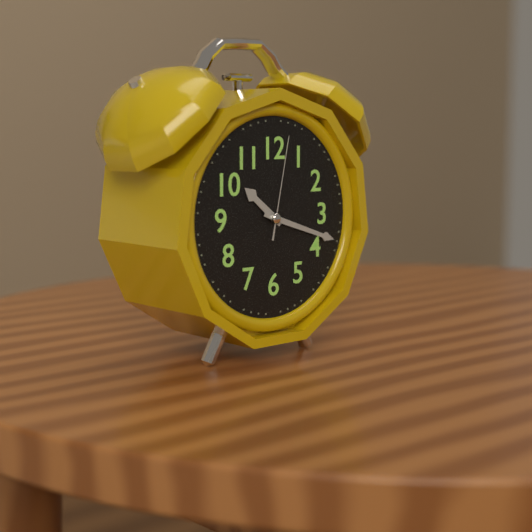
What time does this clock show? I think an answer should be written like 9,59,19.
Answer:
10,18,02
